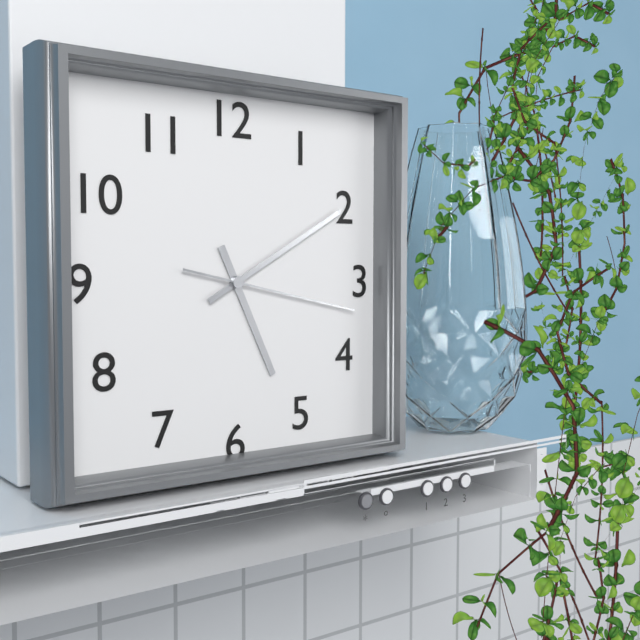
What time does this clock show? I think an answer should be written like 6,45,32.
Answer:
5,10,17
